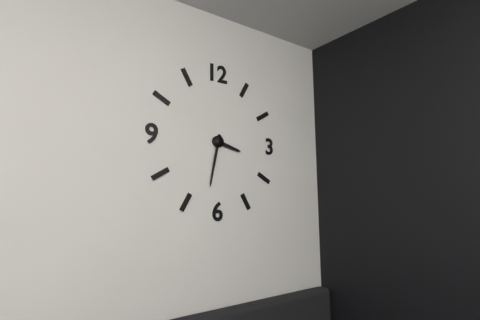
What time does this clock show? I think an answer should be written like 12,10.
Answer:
3,32
